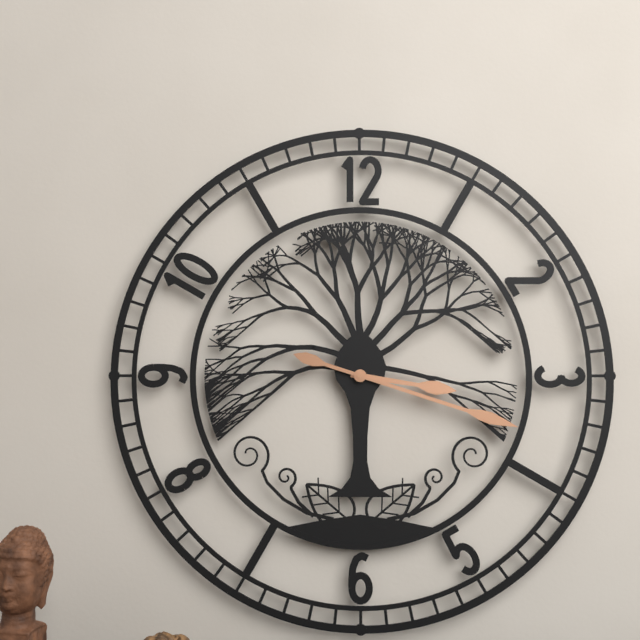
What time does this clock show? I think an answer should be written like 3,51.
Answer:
3,18
